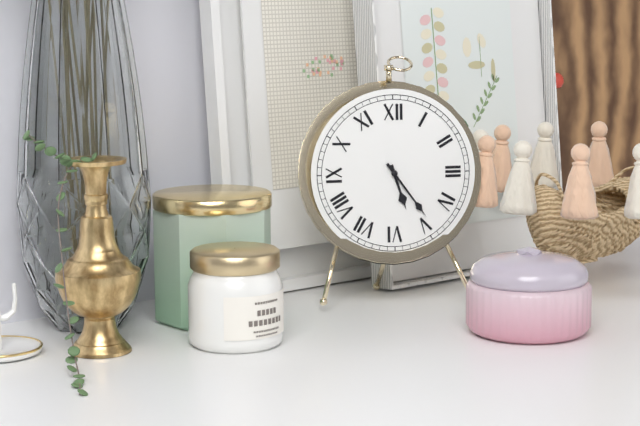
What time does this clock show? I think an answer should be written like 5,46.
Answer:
5,24
